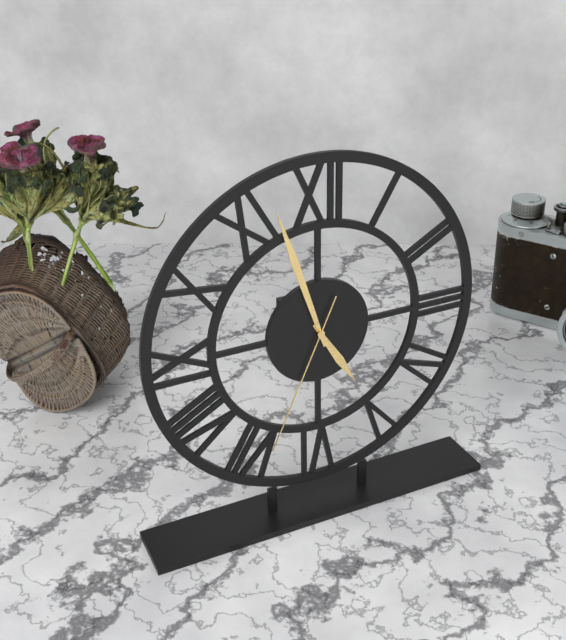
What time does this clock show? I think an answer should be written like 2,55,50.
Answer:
4,57,34
